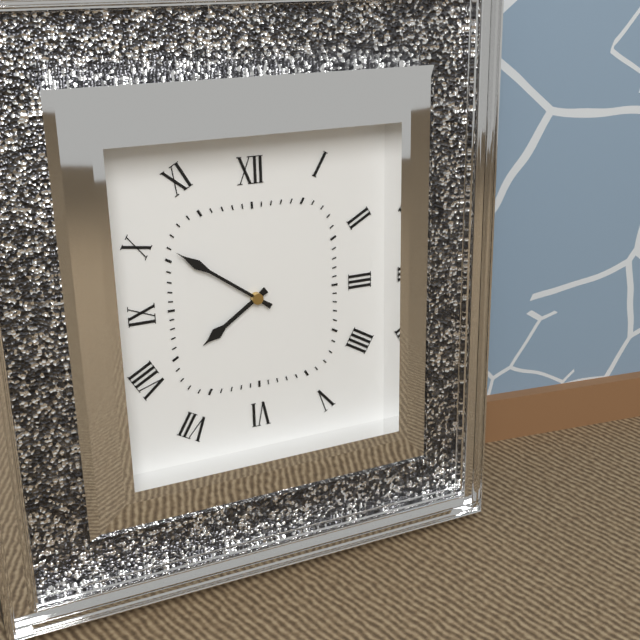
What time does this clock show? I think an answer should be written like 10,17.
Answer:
7,51
